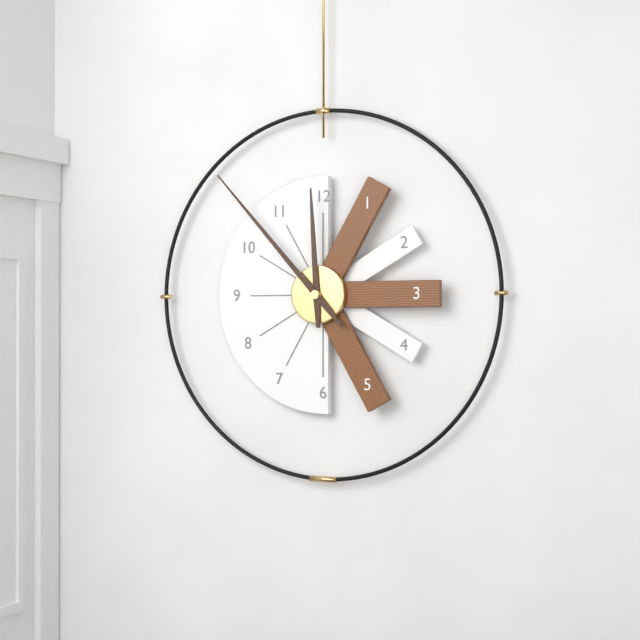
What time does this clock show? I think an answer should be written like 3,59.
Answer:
11,53
